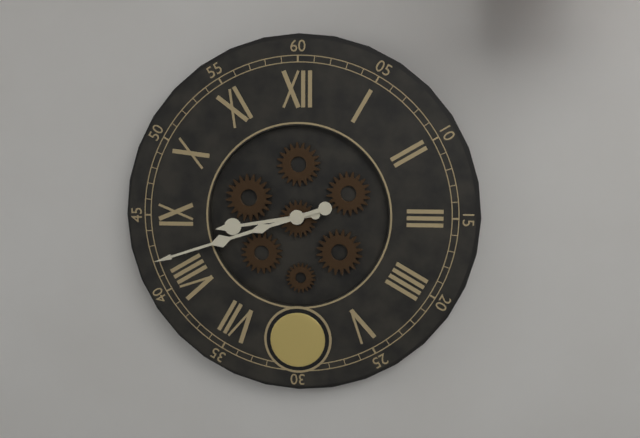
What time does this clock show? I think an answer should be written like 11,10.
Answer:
8,42
